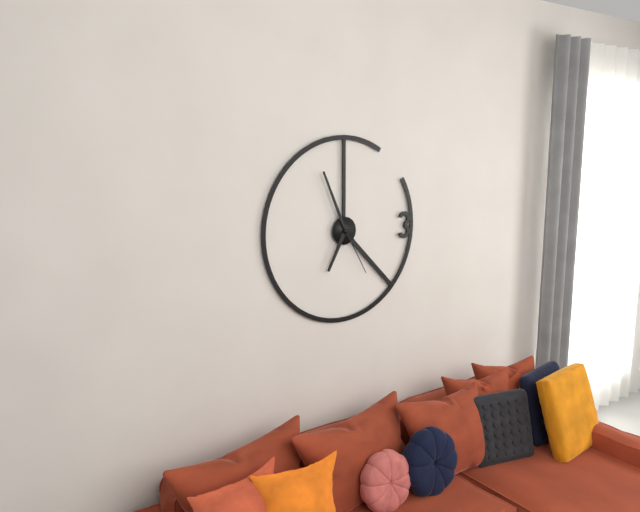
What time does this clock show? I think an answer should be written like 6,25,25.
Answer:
6,56,25
